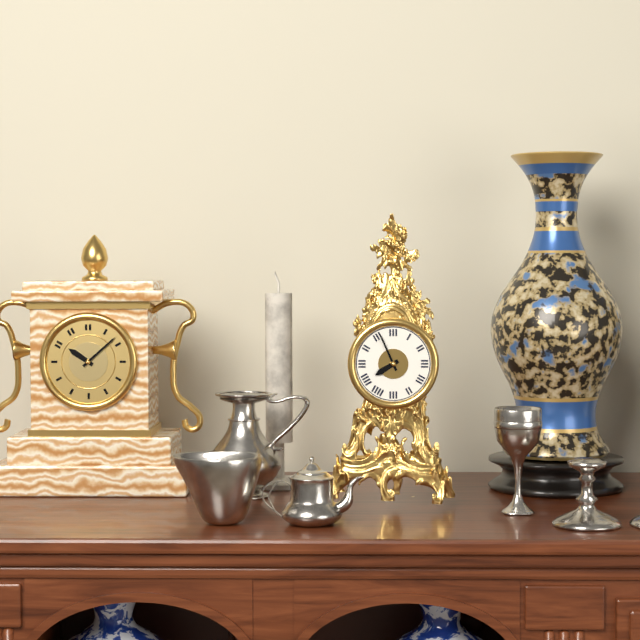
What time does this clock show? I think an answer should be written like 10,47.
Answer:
7,56
